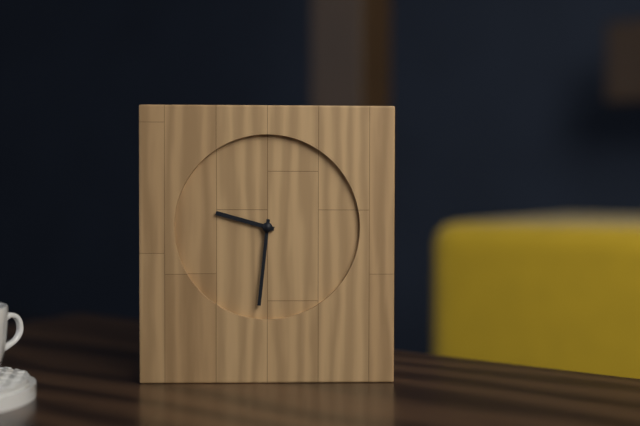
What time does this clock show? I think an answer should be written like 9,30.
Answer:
9,31
